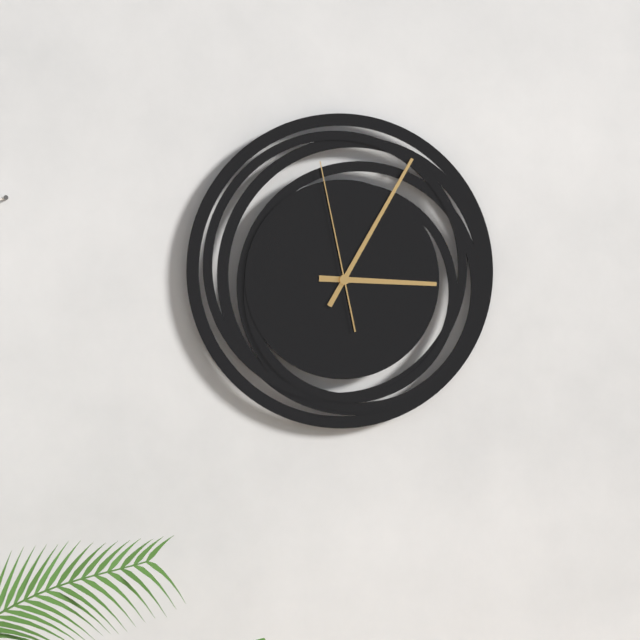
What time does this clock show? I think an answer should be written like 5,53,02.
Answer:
3,05,58
